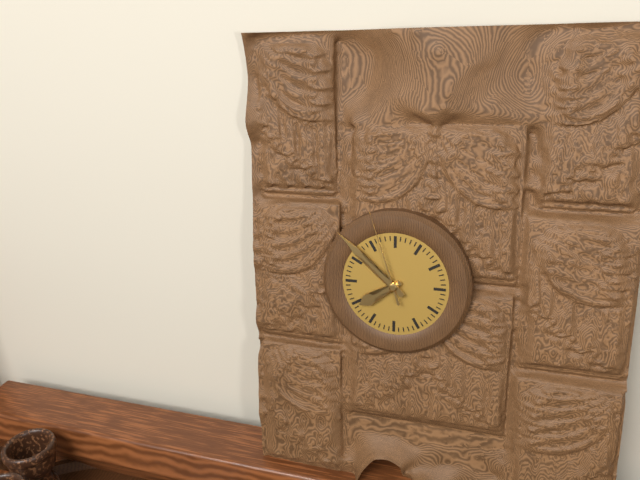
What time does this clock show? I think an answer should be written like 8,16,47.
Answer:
7,52,57
